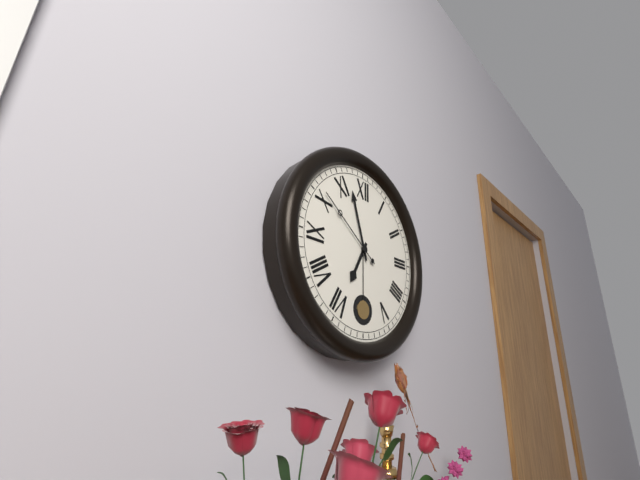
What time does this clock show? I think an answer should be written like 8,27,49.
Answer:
6,57,51
